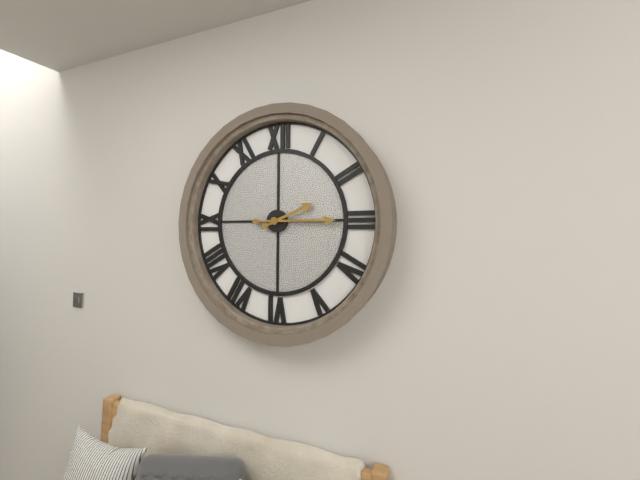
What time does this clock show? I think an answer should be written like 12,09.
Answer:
2,15
